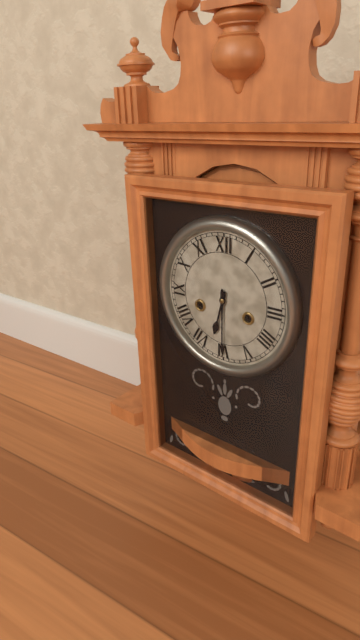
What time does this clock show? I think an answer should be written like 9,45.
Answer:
6,30
